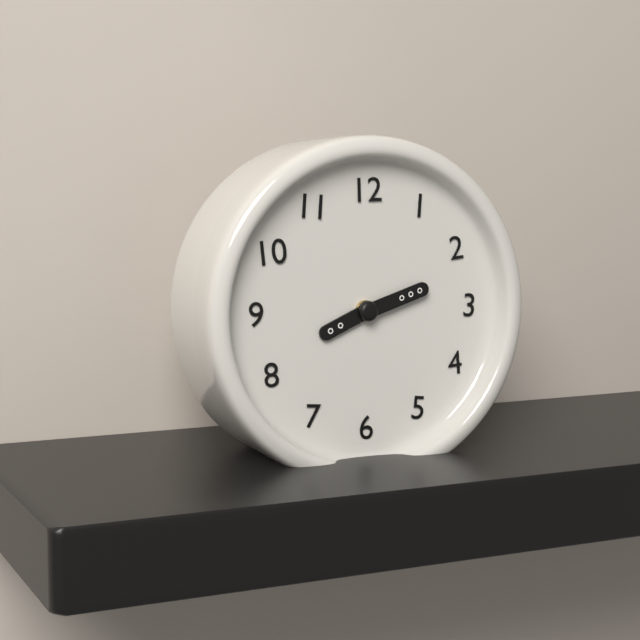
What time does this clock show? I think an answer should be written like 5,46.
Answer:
8,12
